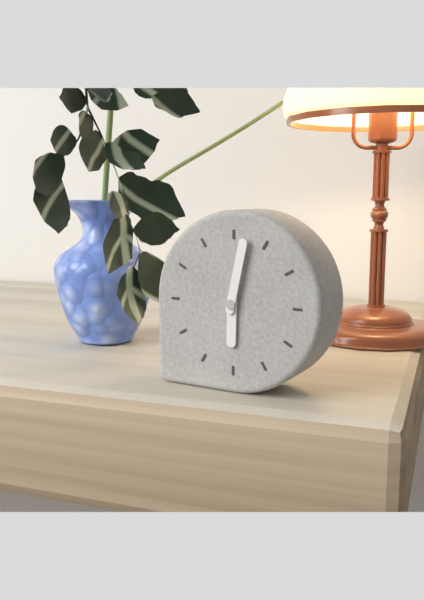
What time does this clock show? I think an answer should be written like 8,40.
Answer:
6,02
